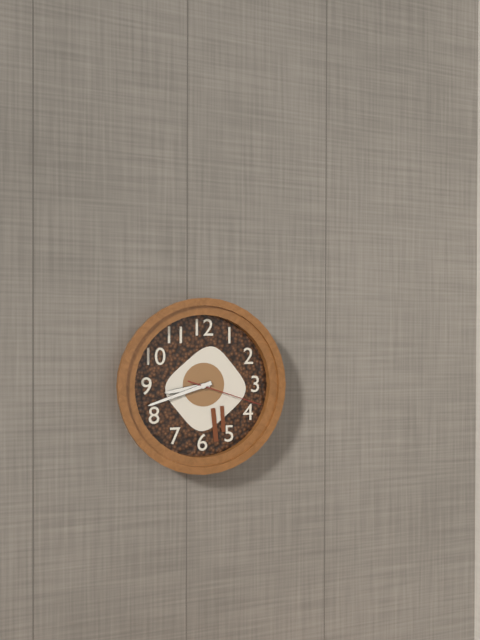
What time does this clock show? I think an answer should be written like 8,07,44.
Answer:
8,42,18
